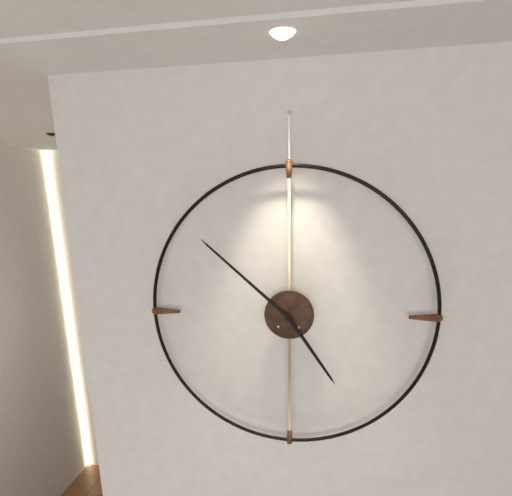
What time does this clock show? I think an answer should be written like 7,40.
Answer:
4,52
